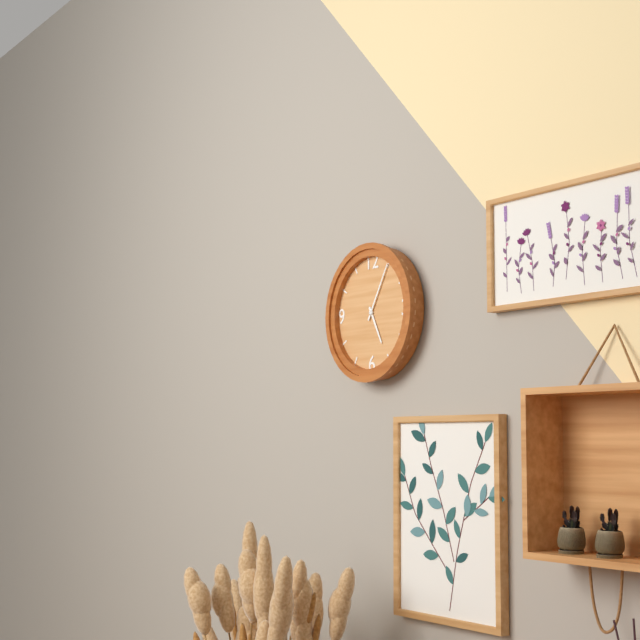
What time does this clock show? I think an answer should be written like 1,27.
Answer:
5,05
